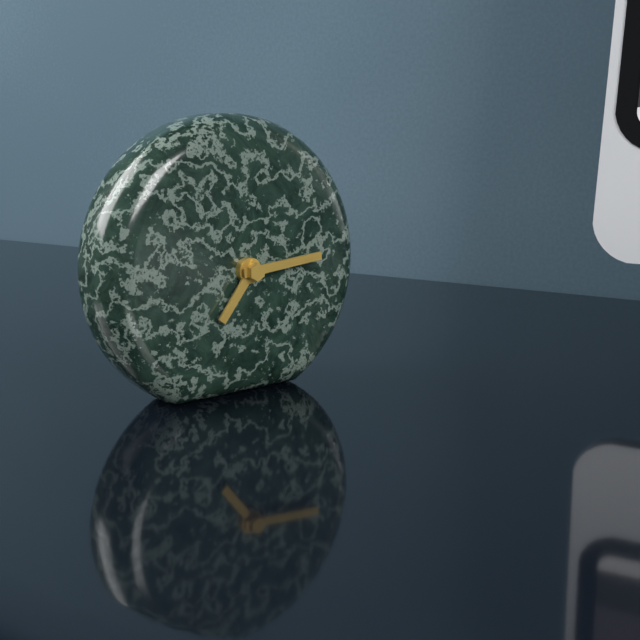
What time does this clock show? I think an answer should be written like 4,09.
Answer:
7,14
